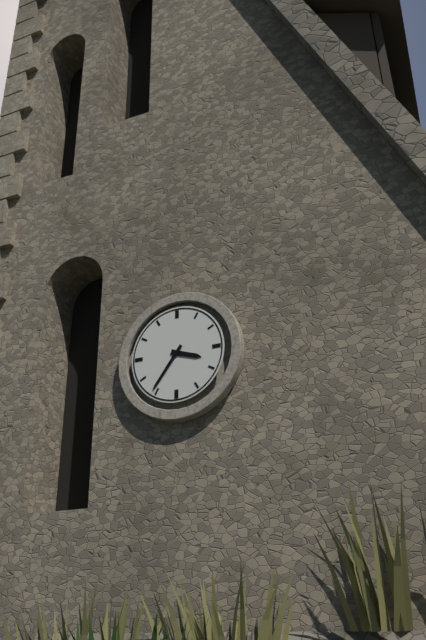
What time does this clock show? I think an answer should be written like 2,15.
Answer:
3,36
